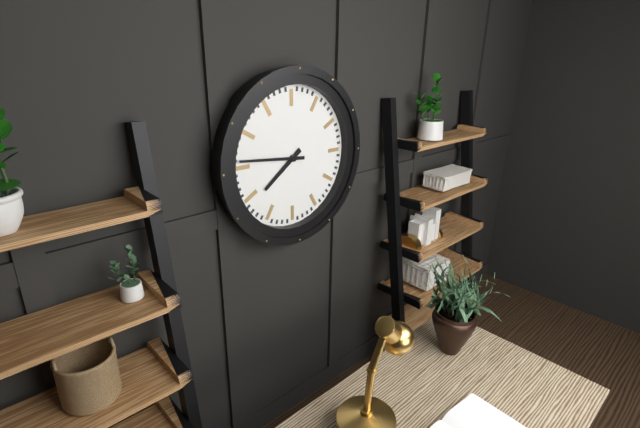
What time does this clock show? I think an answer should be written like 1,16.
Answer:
7,46
